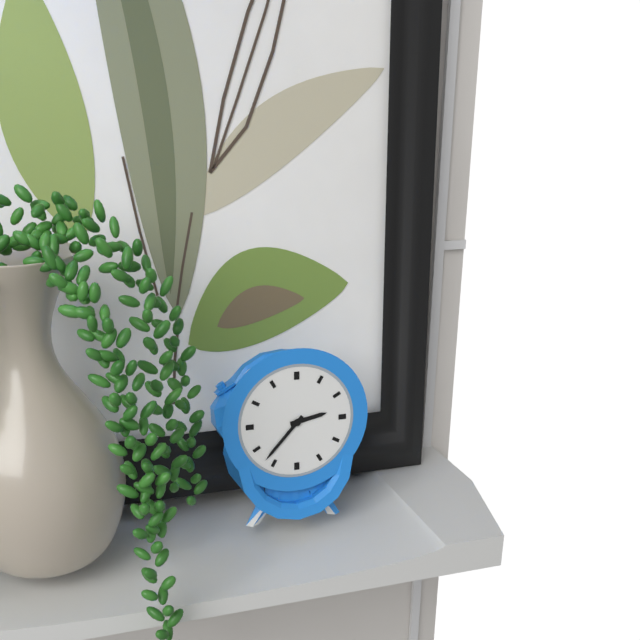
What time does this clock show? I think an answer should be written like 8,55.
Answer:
2,37
